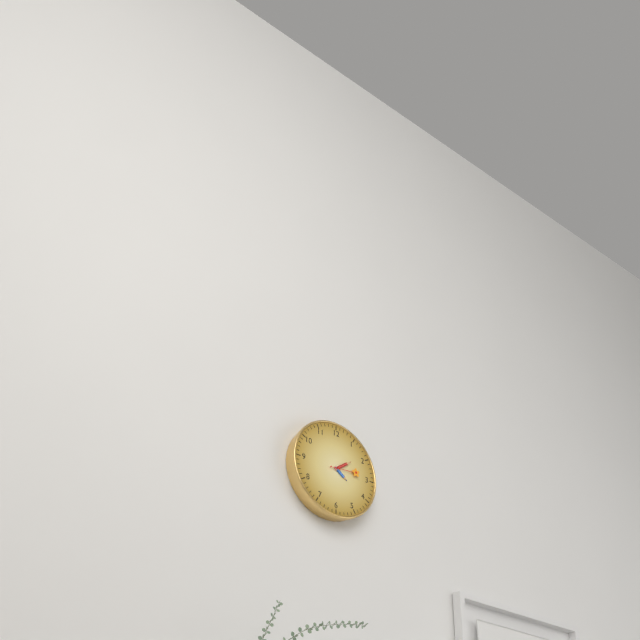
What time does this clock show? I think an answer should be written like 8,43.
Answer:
4,09
